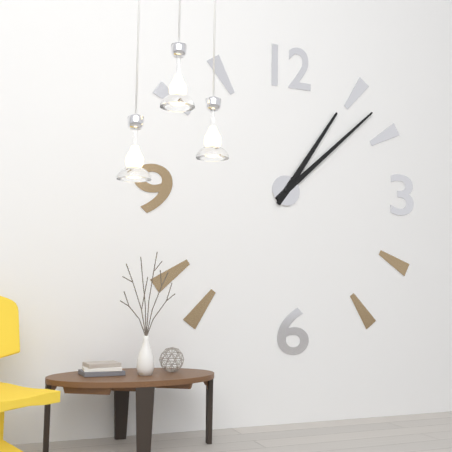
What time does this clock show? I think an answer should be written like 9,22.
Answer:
1,08
